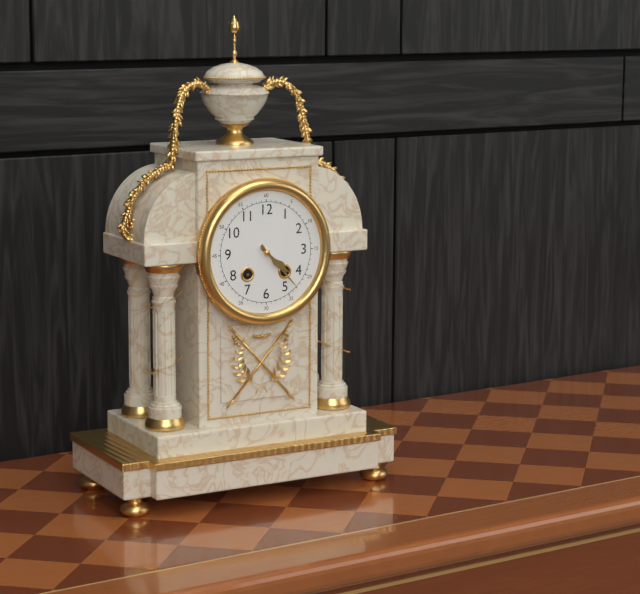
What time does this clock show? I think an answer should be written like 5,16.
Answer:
4,23
